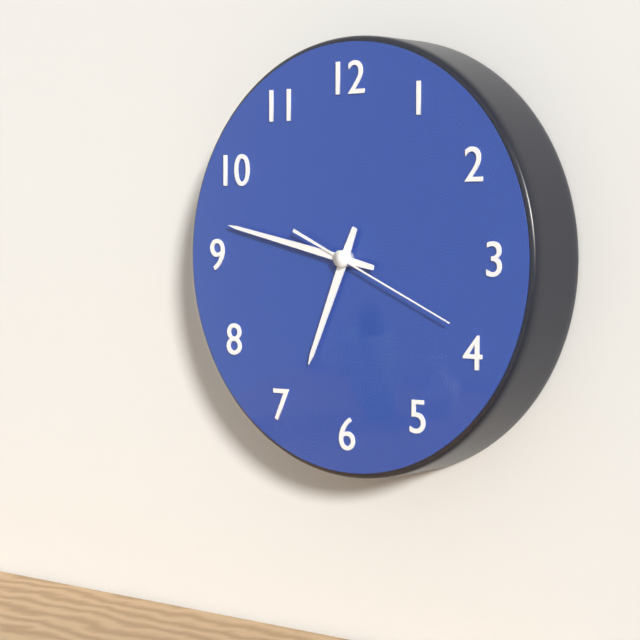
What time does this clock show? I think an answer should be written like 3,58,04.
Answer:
6,47,19
